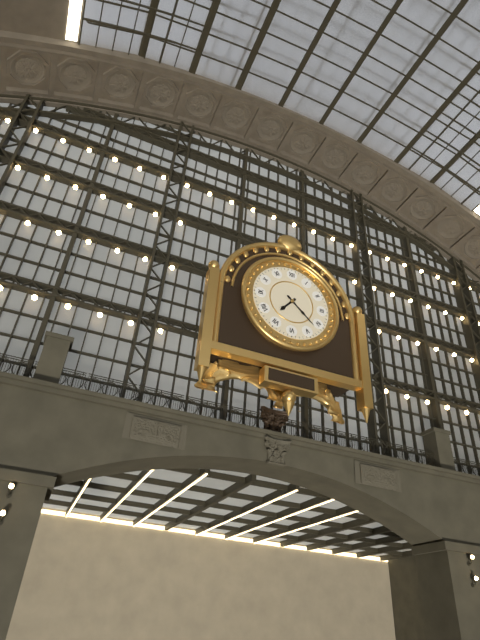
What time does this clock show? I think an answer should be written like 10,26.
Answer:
7,22
